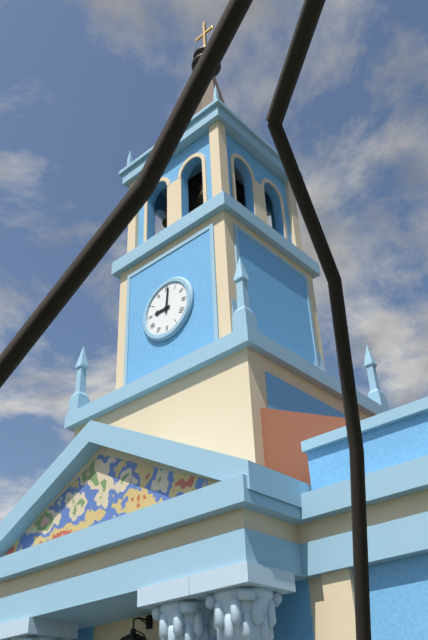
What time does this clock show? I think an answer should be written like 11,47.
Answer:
9,01
